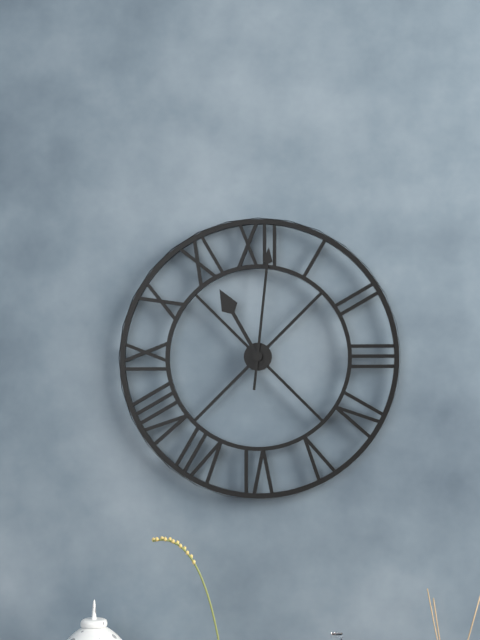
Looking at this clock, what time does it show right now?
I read 11:01
